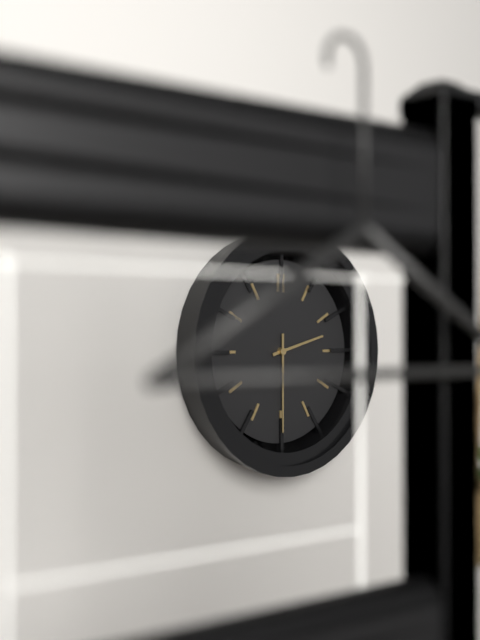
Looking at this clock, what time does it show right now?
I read 2:30
